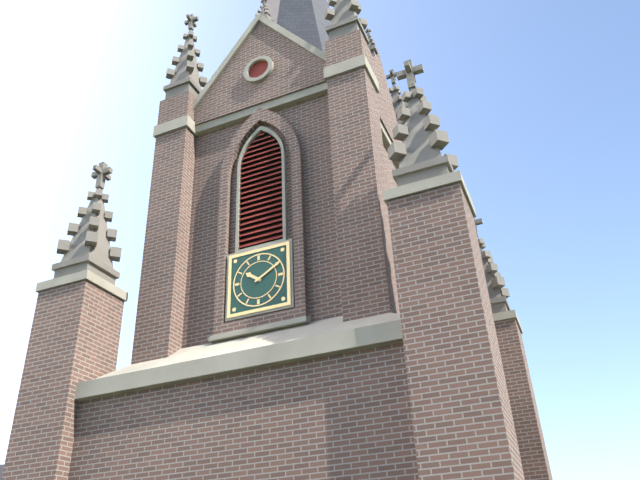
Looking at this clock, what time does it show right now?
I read 10:10
